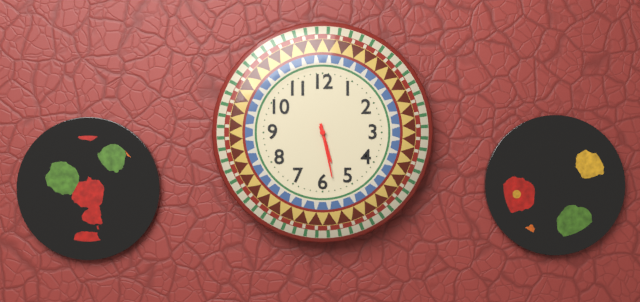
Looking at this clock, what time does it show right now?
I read 5:28
